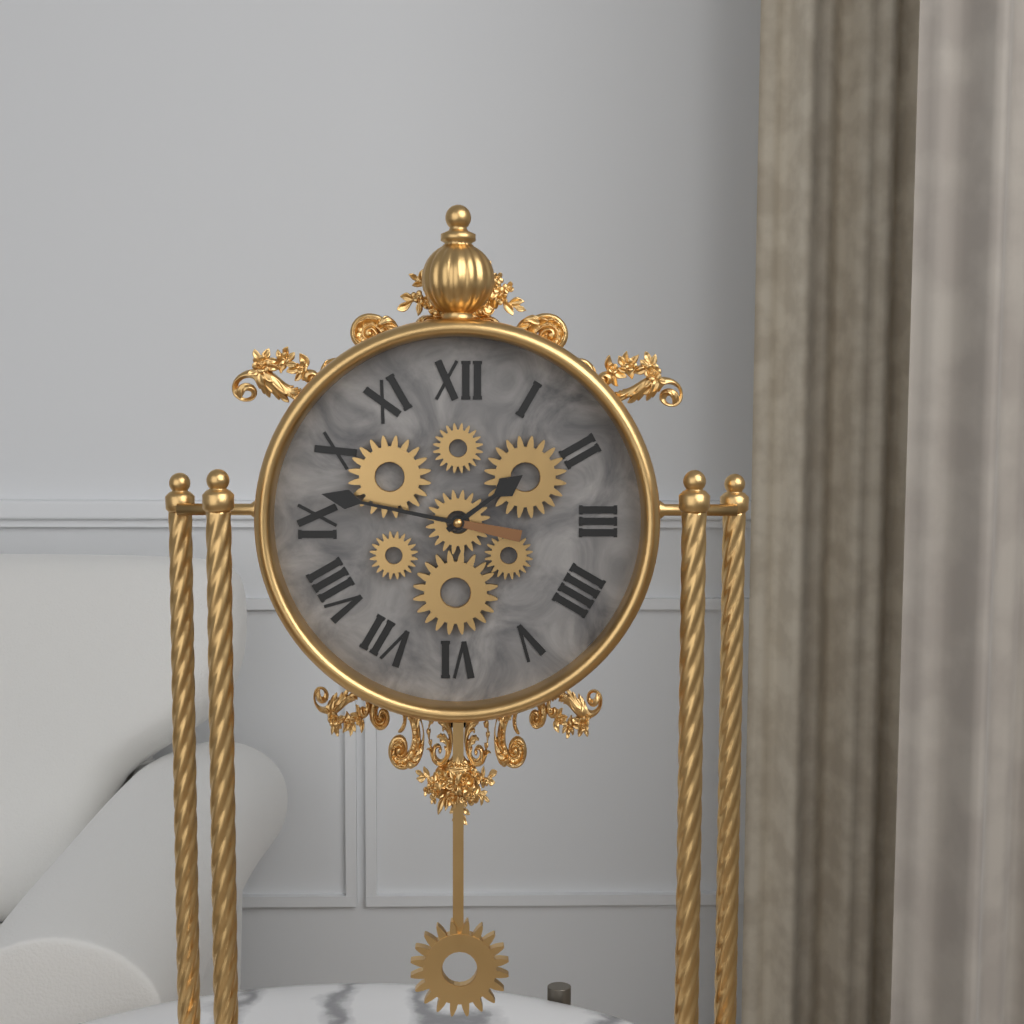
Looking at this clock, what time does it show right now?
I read 1:47
